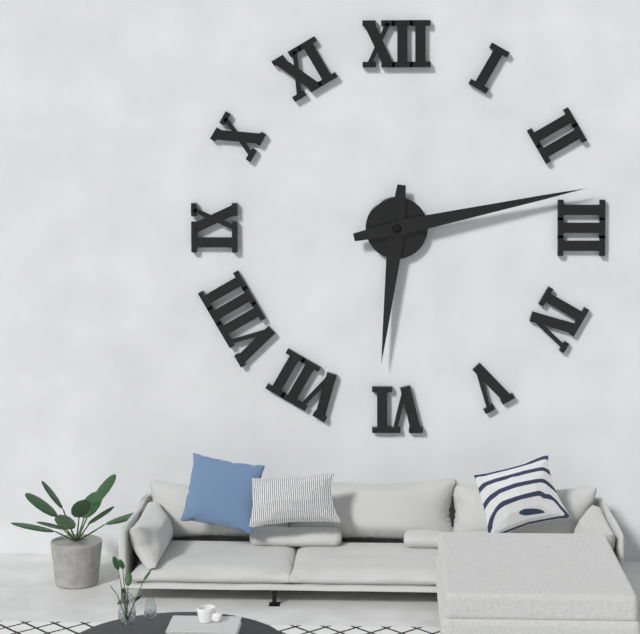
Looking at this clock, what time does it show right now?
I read 6:13
